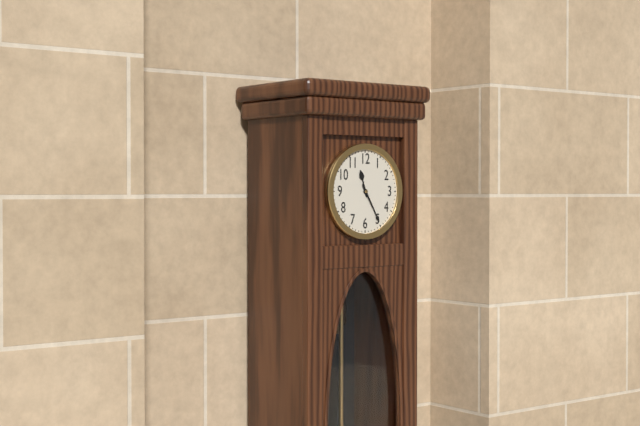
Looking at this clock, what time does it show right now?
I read 11:25
